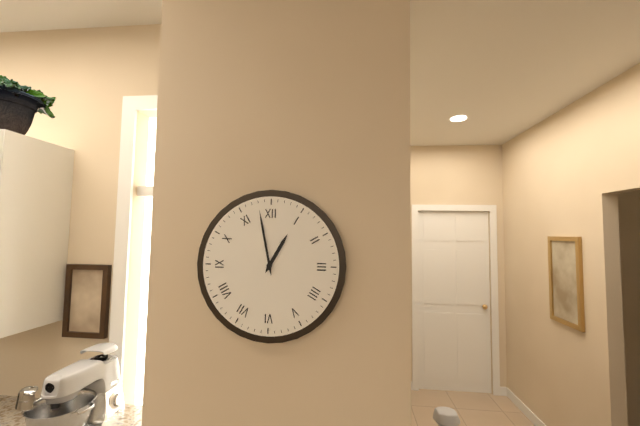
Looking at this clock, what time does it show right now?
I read 12:58
